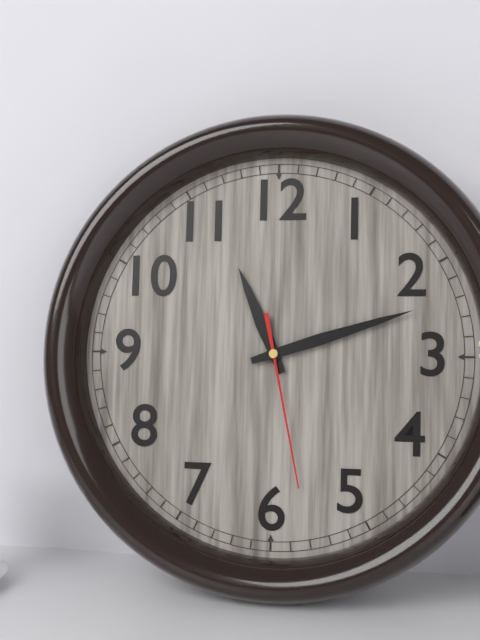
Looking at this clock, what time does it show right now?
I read 11:12:28
